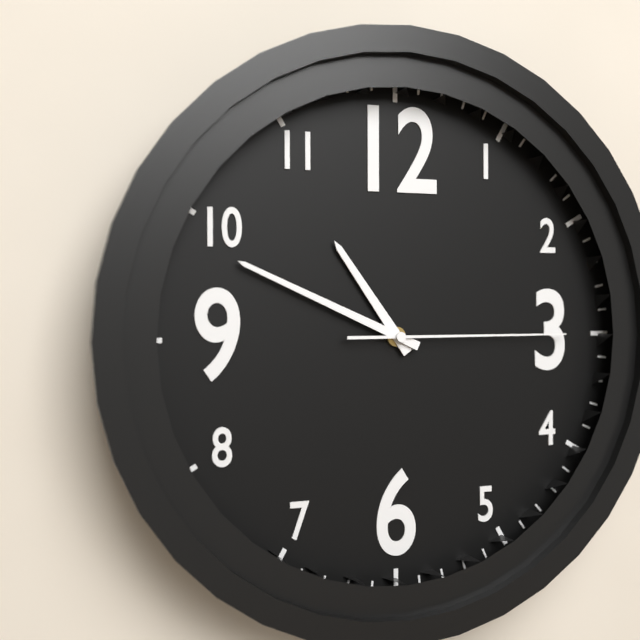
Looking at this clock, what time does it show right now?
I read 10:49:15
